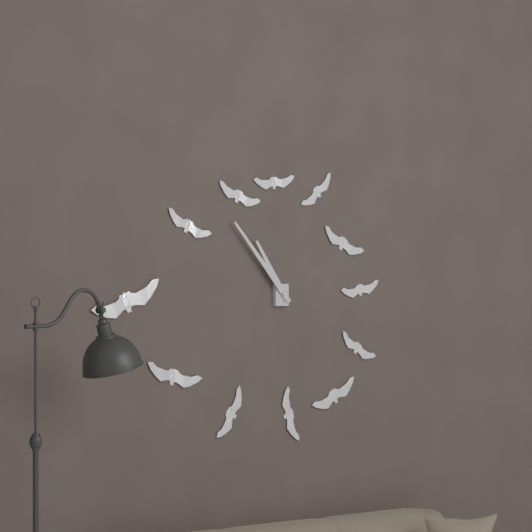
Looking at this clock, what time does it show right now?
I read 10:53
